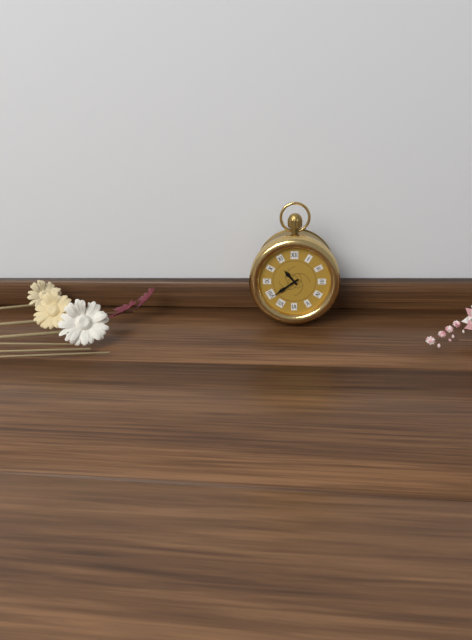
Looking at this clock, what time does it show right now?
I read 10:39
